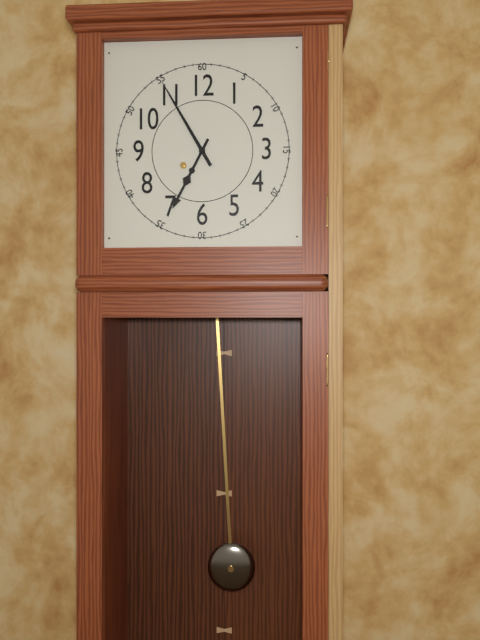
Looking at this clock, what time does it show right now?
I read 6:55
